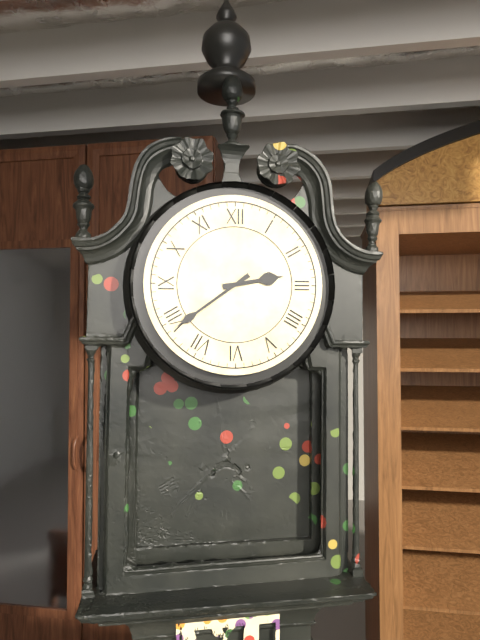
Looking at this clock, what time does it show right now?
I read 2:39
